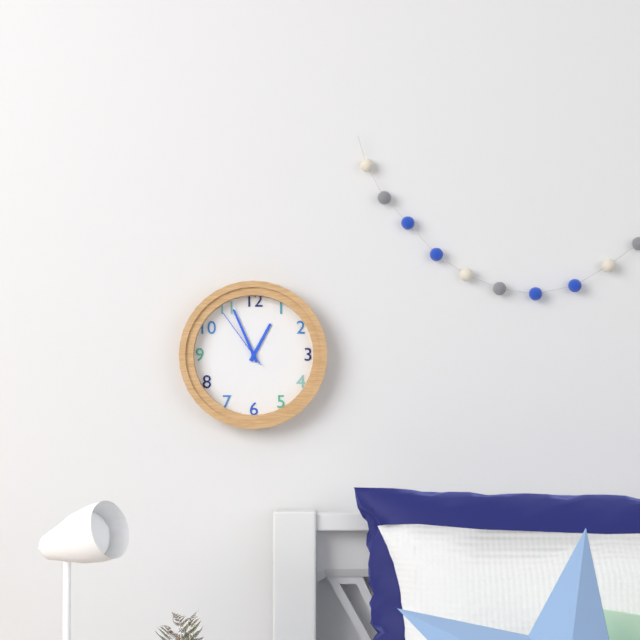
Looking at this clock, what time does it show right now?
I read 12:56:54
